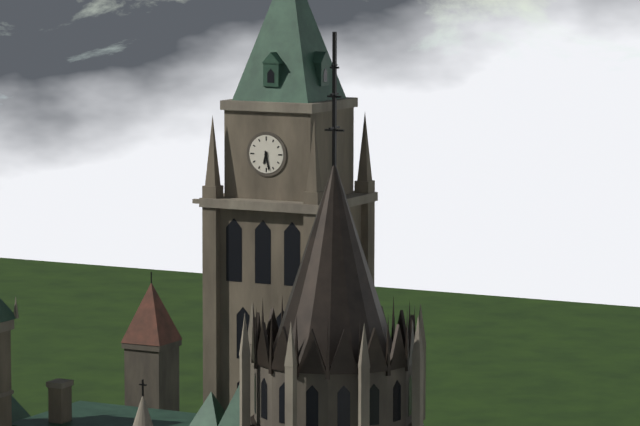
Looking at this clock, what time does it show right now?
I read 6:28
